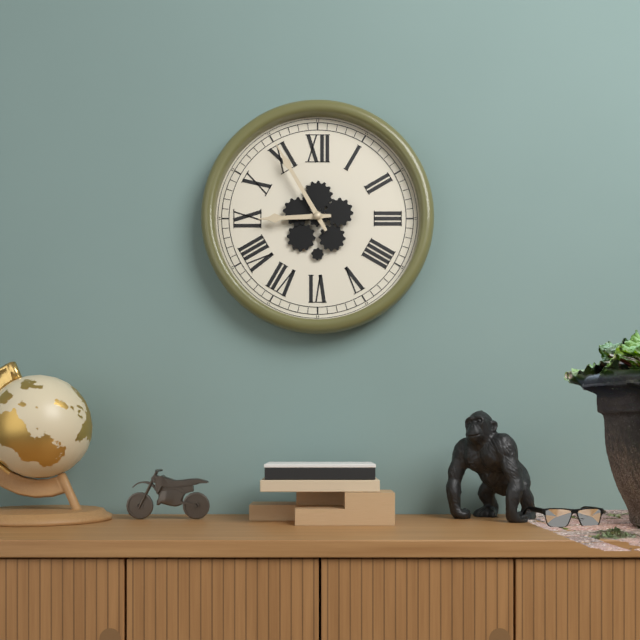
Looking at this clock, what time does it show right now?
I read 8:55
